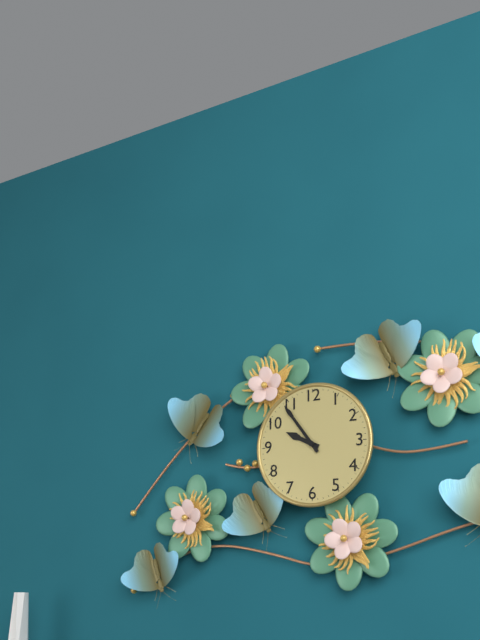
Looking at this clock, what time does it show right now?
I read 9:54
